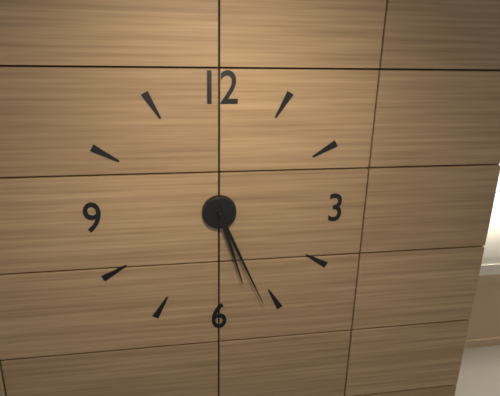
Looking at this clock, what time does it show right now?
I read 5:26
